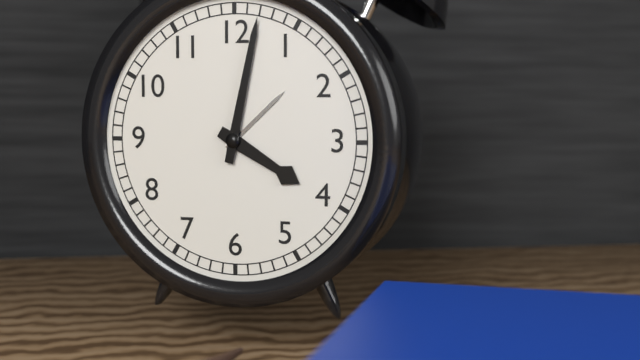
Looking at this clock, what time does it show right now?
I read 4:02
